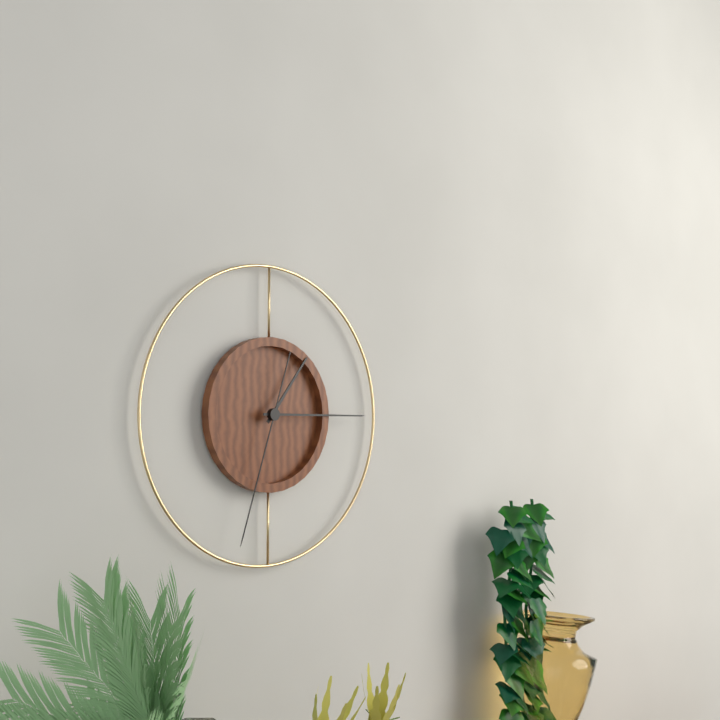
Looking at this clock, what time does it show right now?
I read 1:15:33
